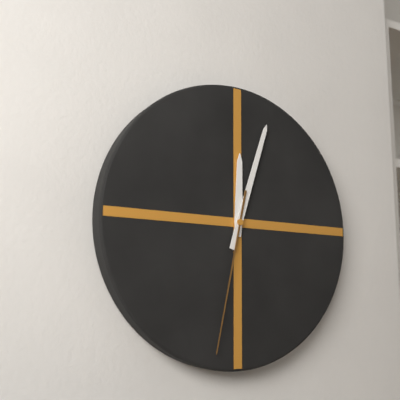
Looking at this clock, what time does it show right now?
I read 12:03:32
